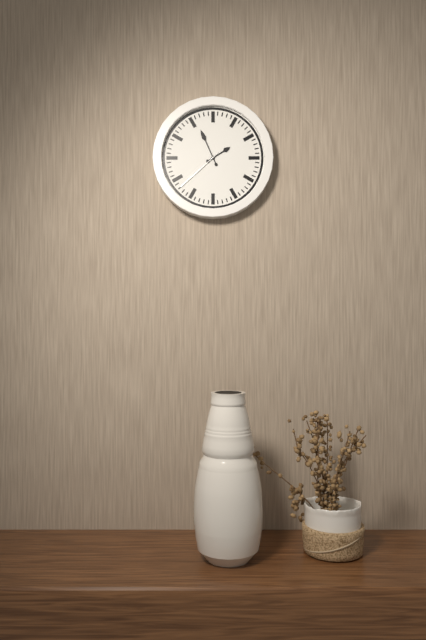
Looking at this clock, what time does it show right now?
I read 1:56:38
